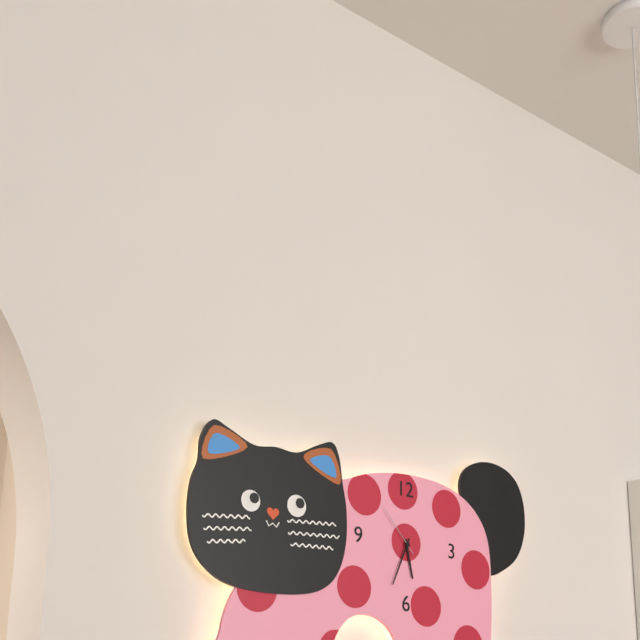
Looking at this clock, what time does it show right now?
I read 5:34:53
